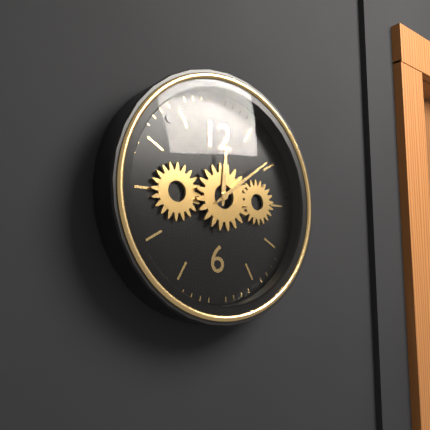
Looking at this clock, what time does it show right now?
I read 12:09
